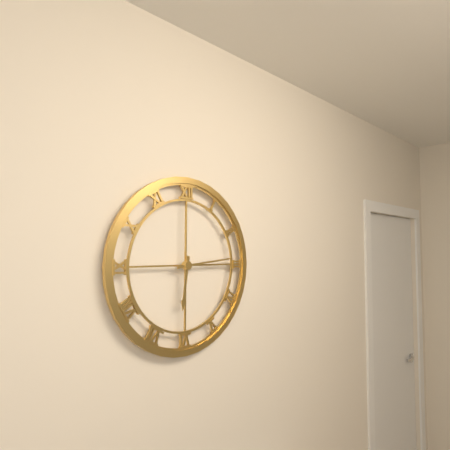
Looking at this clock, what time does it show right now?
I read 6:14
